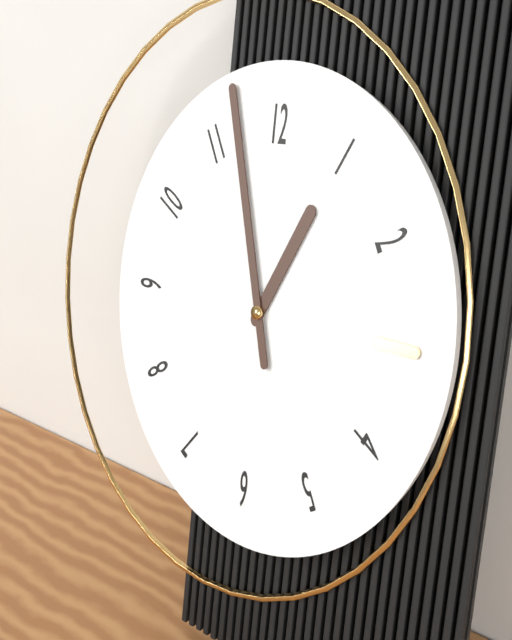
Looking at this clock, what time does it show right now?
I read 12:57
